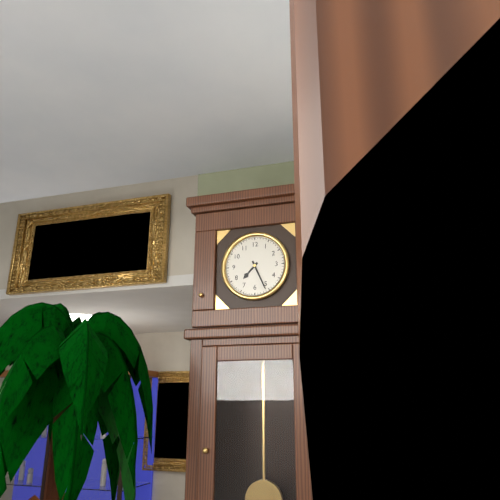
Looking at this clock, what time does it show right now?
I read 7:26
